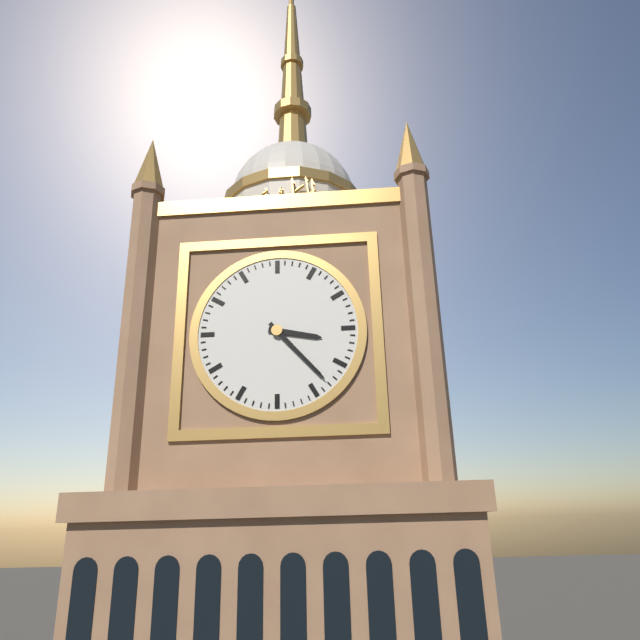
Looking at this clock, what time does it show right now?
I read 3:23
